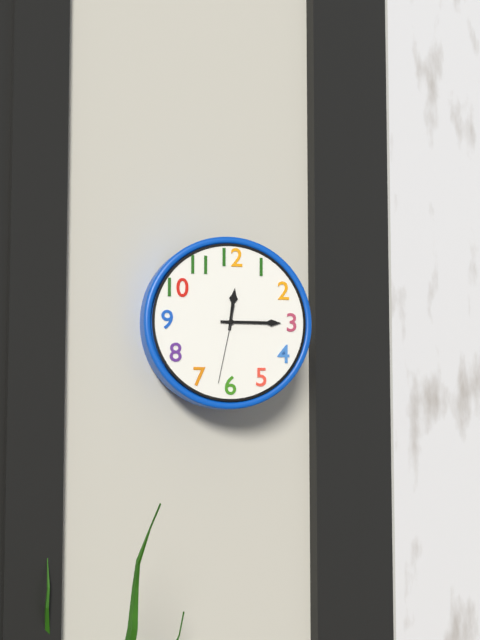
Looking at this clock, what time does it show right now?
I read 12:15:32
